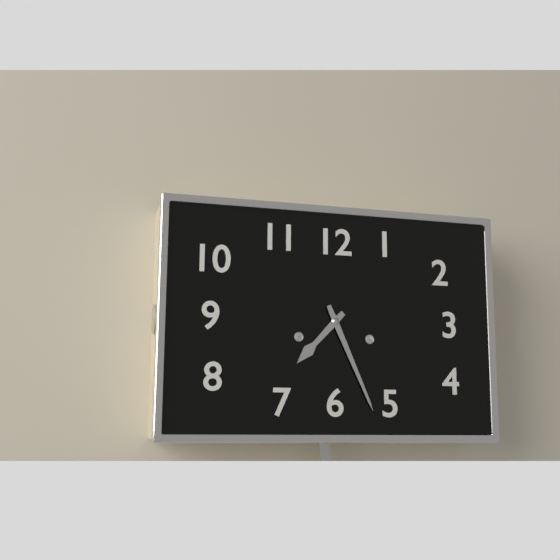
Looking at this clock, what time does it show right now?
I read 7:26
